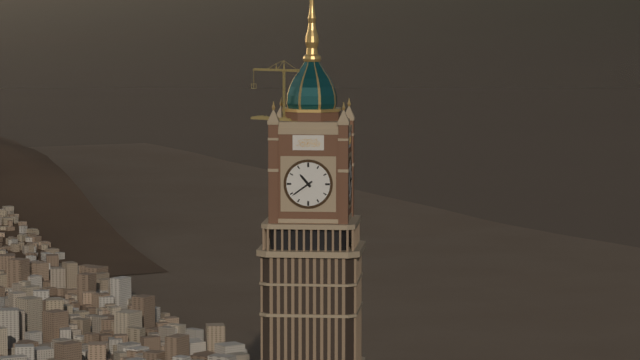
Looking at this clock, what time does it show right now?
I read 10:39
